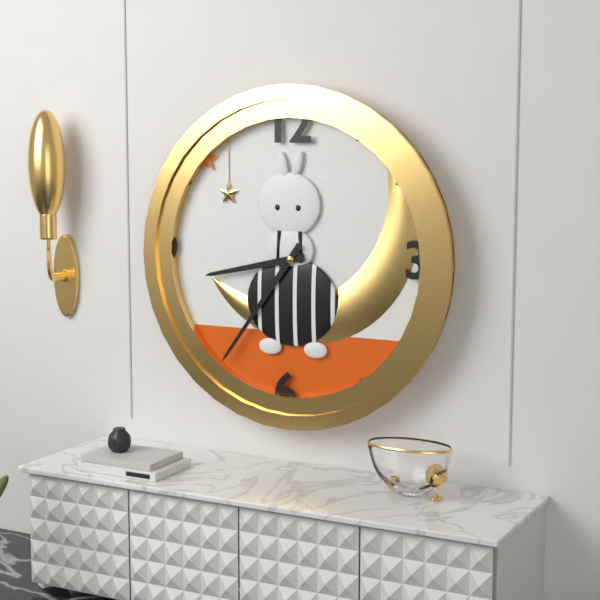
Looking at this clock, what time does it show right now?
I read 8:36
